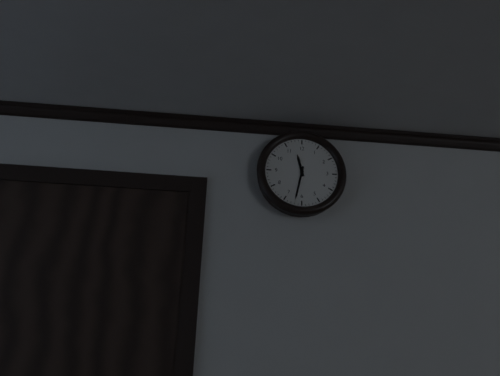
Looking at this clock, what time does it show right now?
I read 11:32
